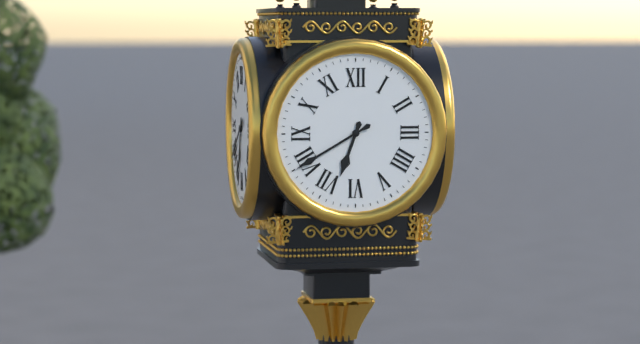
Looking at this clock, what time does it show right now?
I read 6:40
